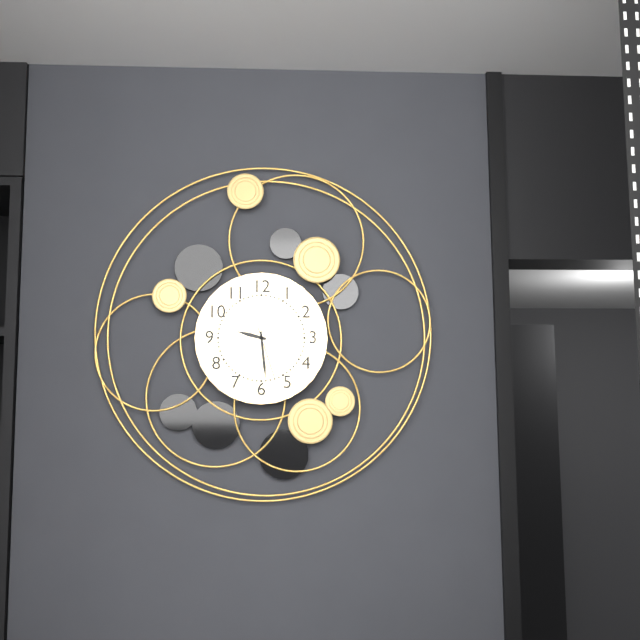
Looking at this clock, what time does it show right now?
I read 9:29:27
